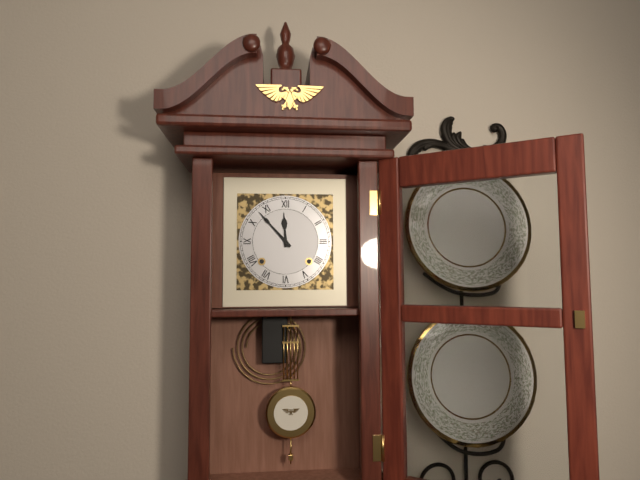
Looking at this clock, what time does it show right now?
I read 11:53
